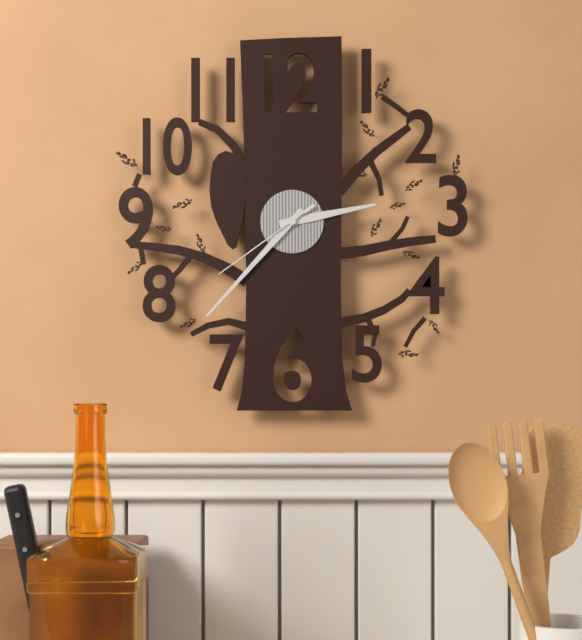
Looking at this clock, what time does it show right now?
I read 2:37:39
